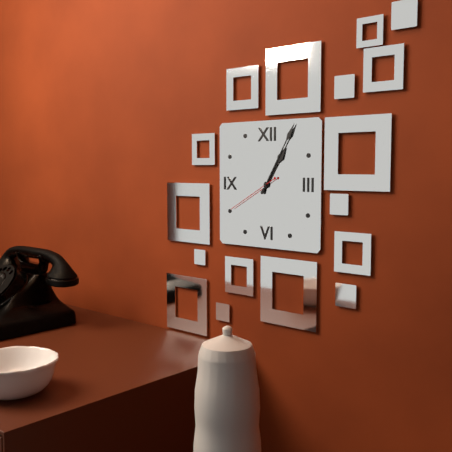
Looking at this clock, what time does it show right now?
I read 1:05:40
